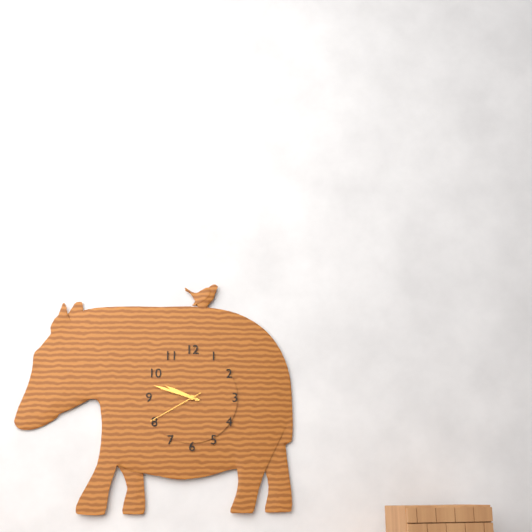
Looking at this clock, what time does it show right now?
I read 9:48:40
